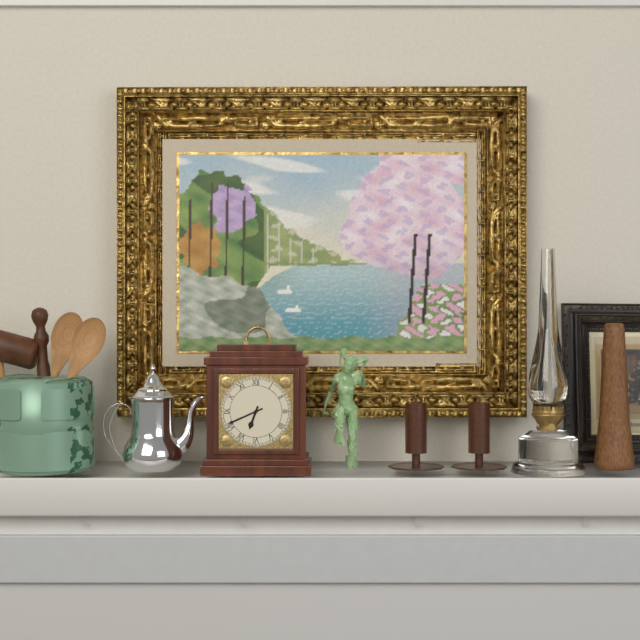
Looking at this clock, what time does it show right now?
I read 6:41
